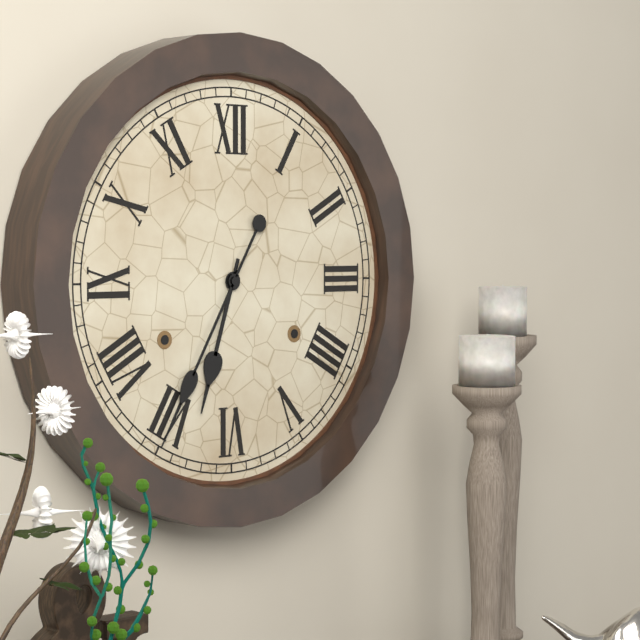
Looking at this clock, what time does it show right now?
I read 6:35
